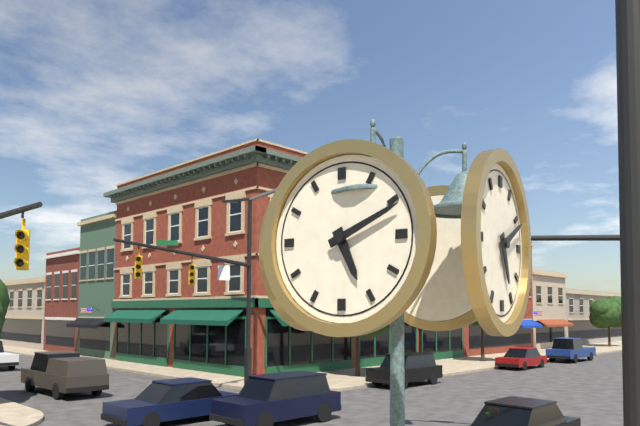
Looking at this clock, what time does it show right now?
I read 5:11
